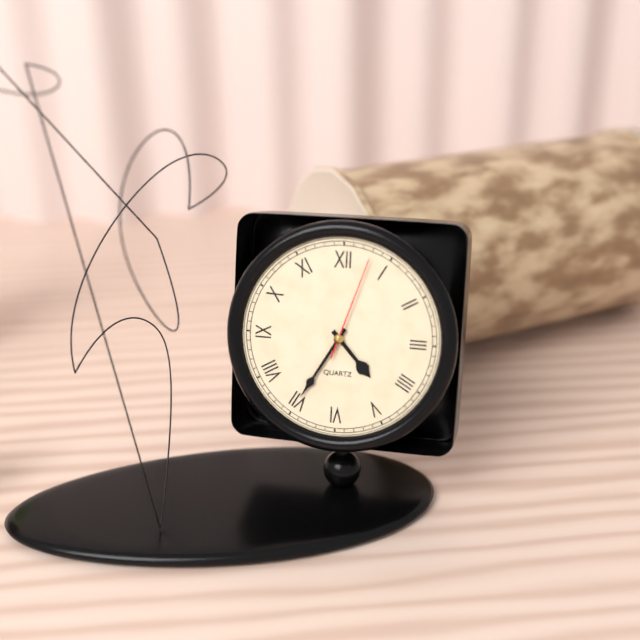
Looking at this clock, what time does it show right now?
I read 4:35:03
